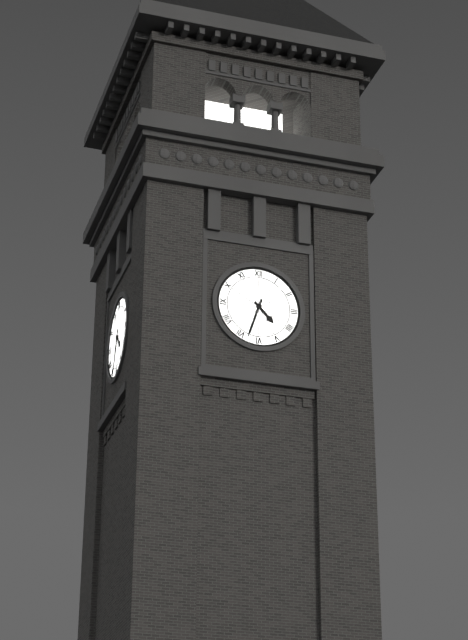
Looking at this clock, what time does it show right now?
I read 4:33
